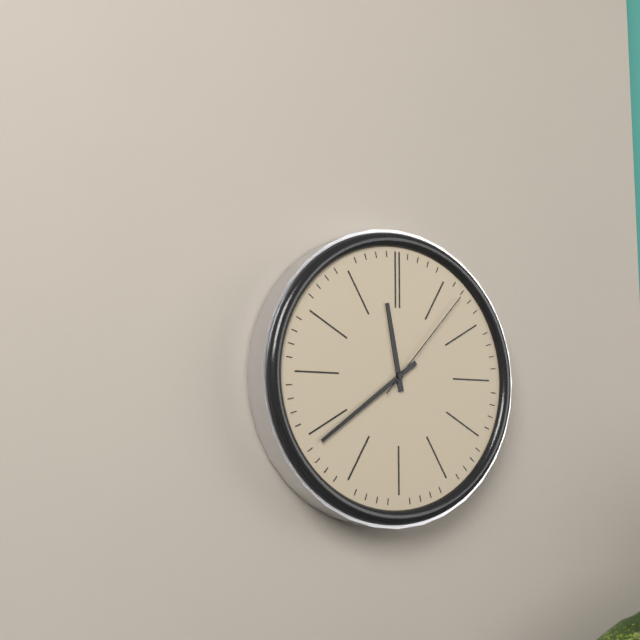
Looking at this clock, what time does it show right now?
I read 11:39:07
